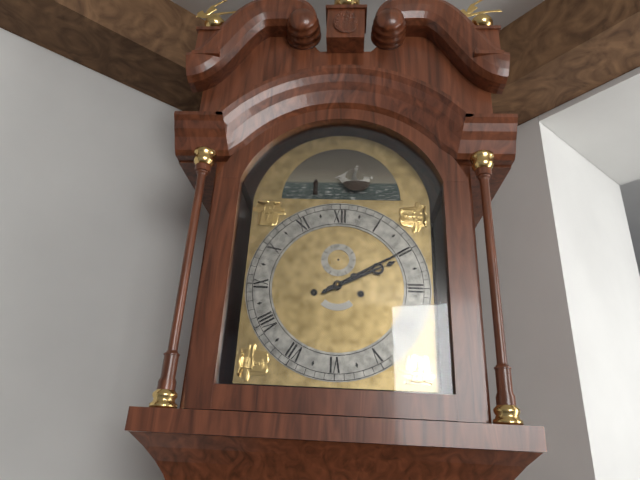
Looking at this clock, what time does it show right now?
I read 2:10
